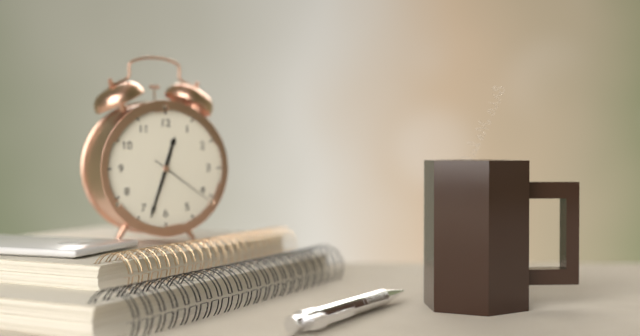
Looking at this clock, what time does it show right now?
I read 12:33:21
